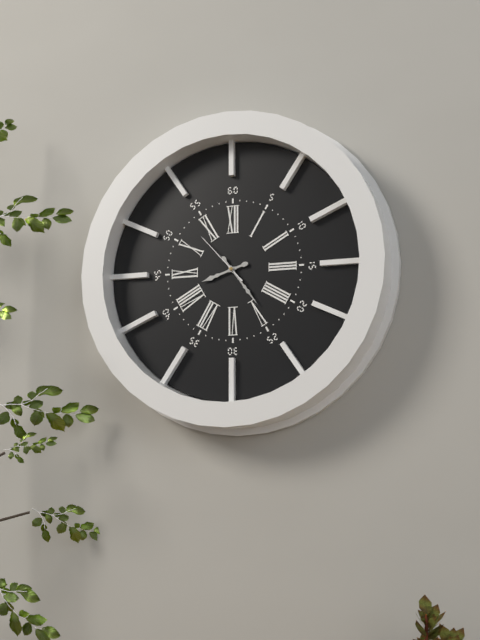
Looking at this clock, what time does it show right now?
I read 8:24:53
